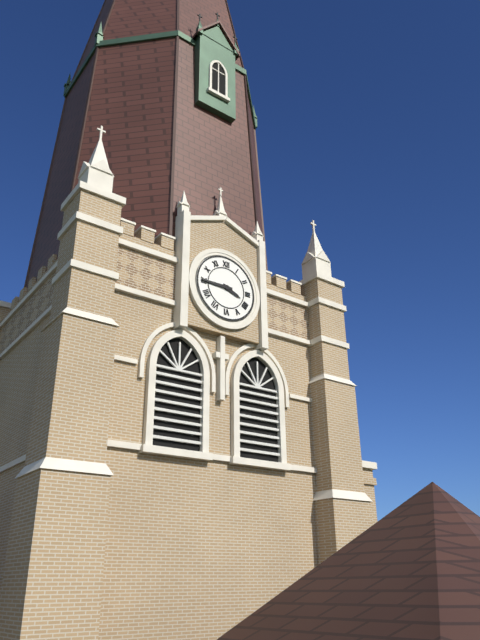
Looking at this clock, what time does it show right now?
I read 3:45
